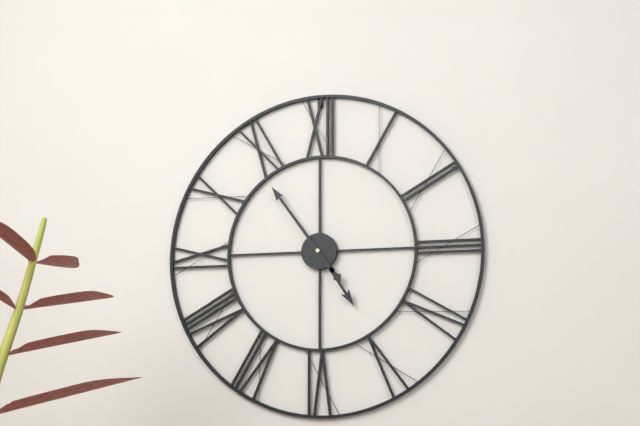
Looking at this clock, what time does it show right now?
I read 4:54
